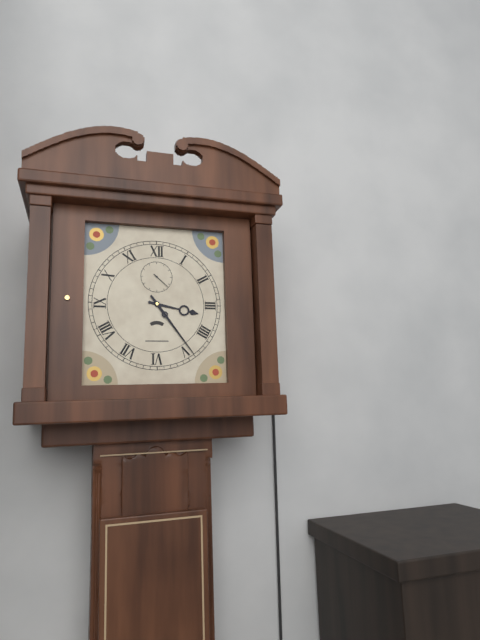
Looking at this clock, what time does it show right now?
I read 3:24
